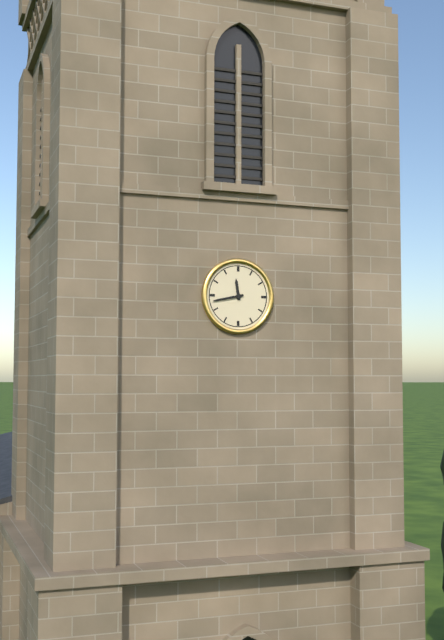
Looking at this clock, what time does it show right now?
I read 11:43
